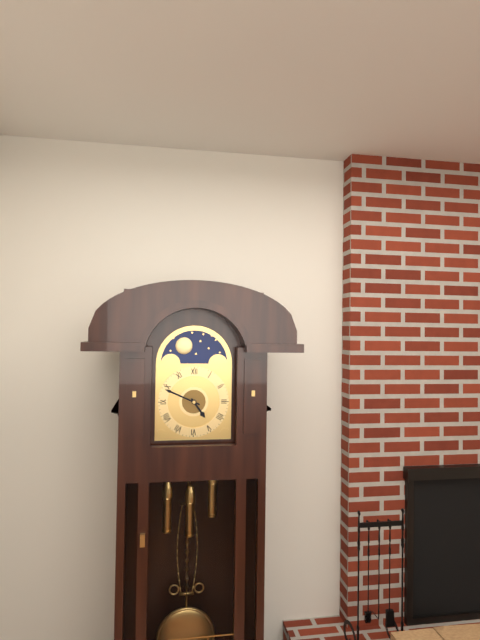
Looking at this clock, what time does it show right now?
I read 4:49
